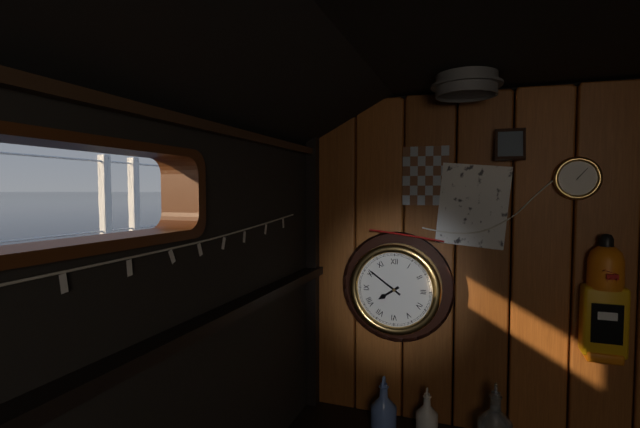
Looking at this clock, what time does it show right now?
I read 7:51
